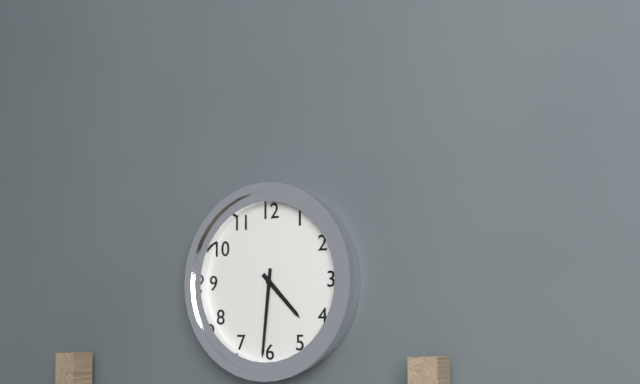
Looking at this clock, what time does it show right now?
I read 4:31
